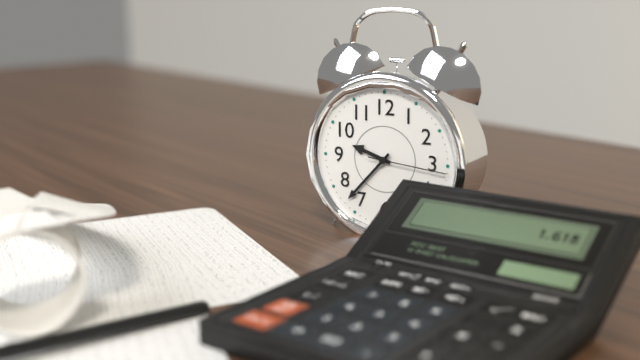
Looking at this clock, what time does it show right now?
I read 9:37:16
